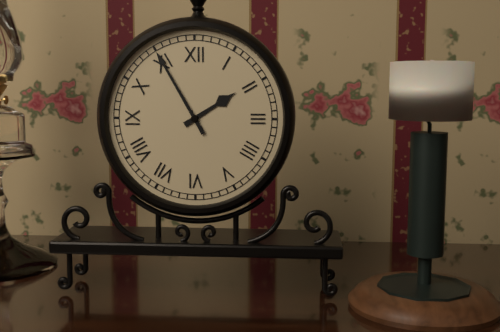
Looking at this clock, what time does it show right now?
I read 1:55
